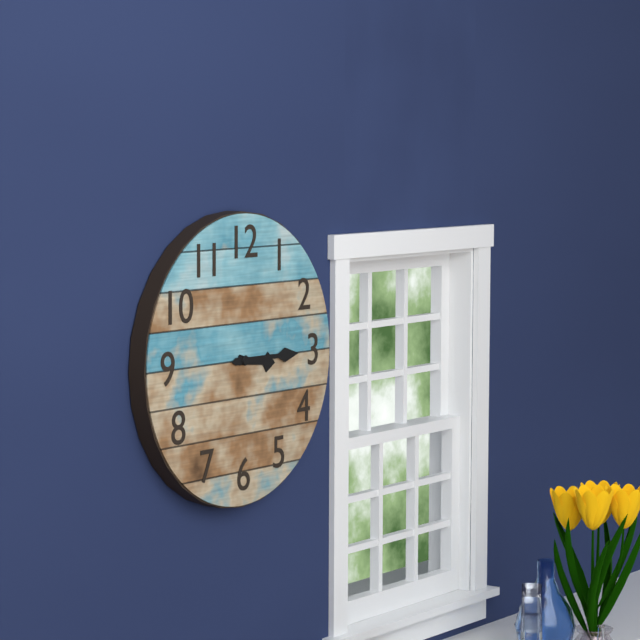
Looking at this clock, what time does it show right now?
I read 3:15
